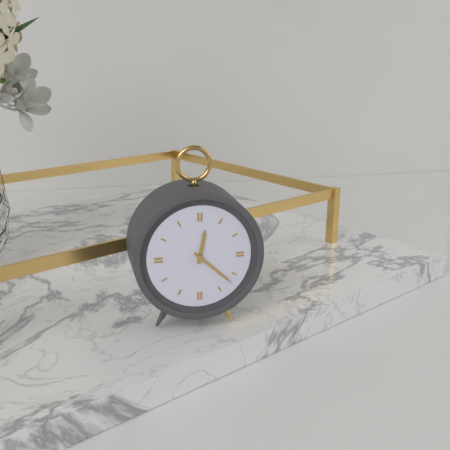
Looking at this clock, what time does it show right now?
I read 12:22
